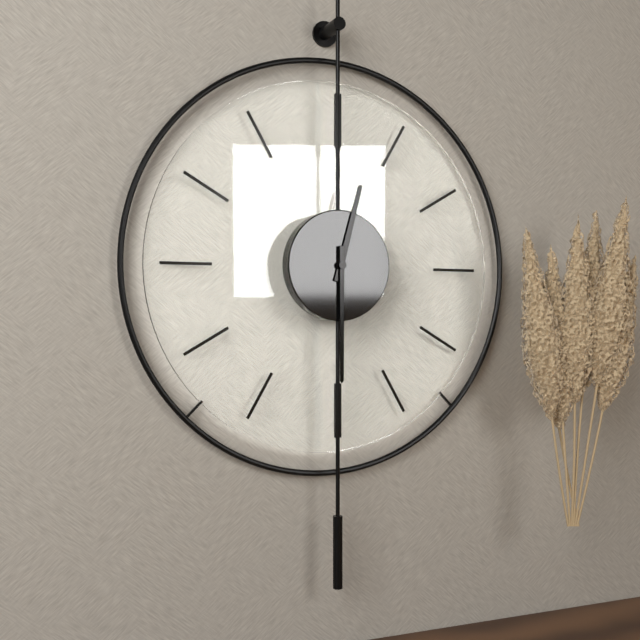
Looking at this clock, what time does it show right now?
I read 12:30
